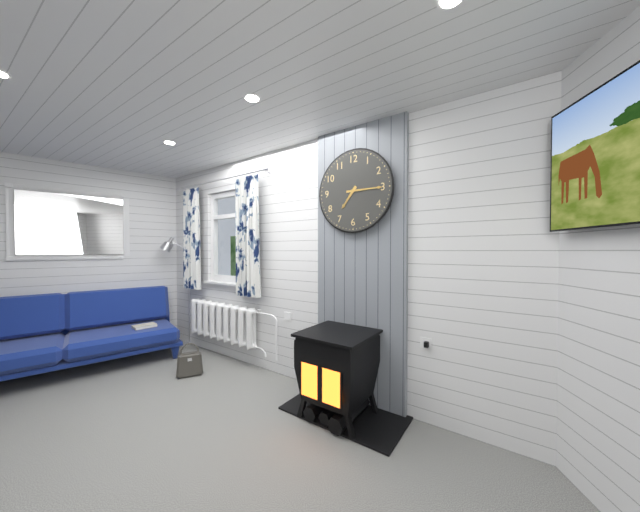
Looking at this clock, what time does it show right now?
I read 7:15
